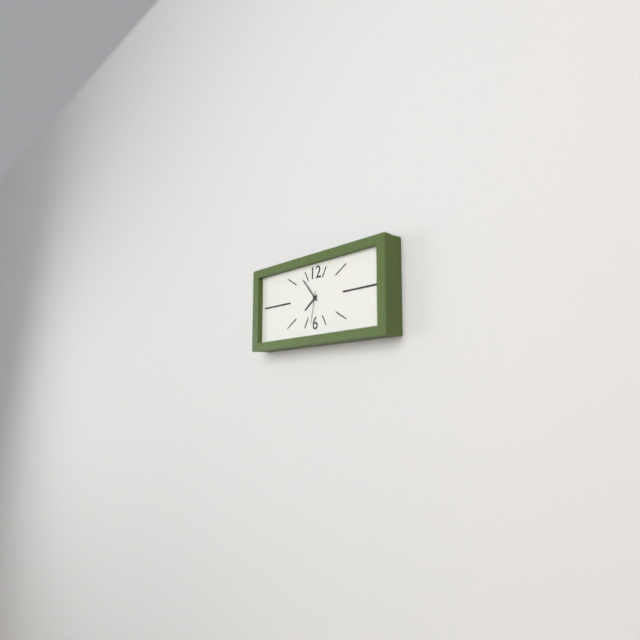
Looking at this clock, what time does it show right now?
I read 7:53
